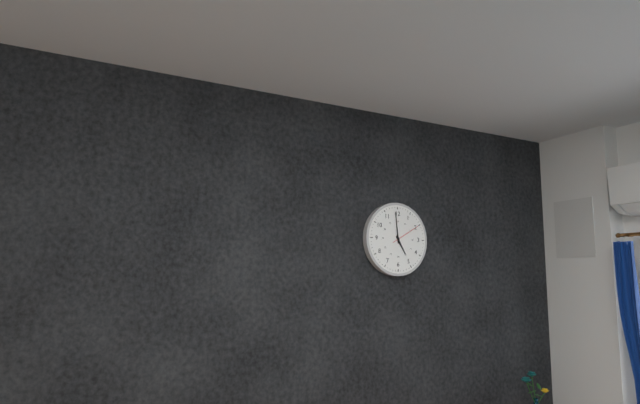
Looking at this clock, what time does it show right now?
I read 4:59
